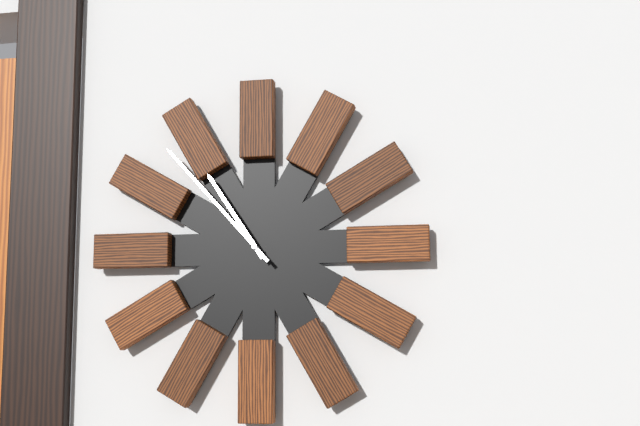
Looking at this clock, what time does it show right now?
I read 10:53
